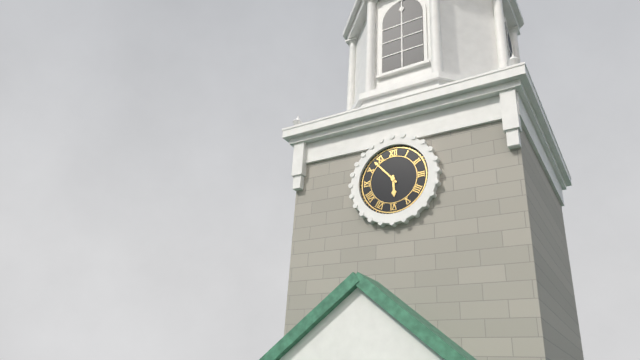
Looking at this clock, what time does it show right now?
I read 5:53
